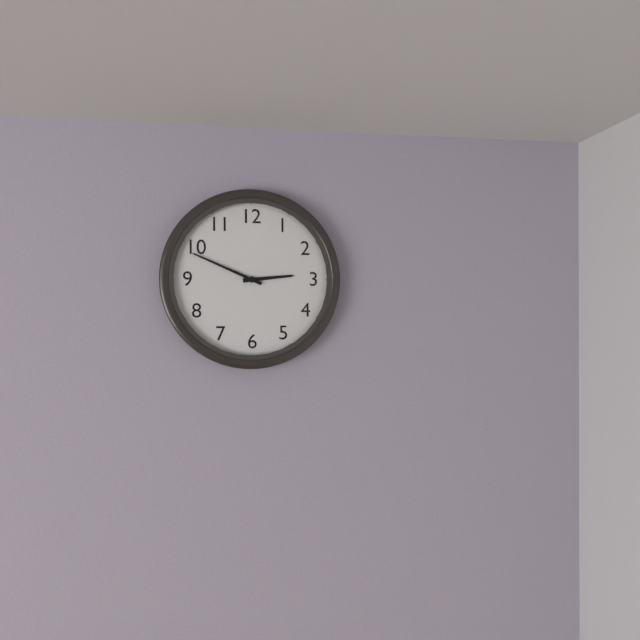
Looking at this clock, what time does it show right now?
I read 2:49
